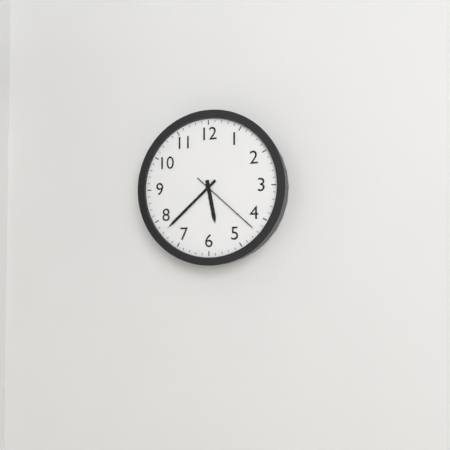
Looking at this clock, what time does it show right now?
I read 5:38:22
